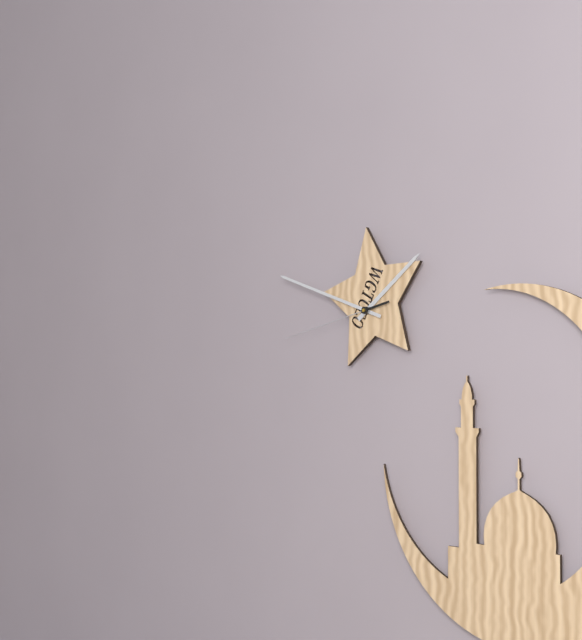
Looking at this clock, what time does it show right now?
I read 1:48:43
